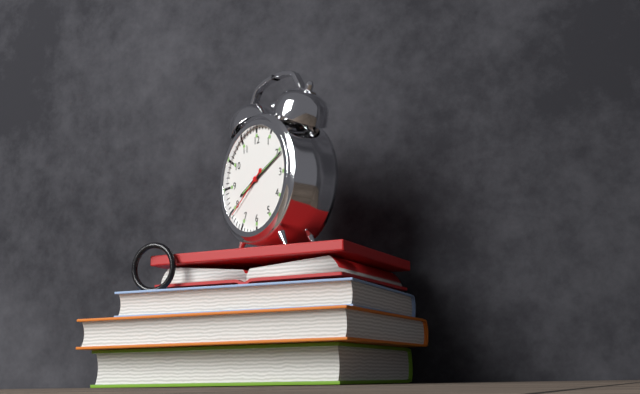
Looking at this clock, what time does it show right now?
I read 8:11:39
